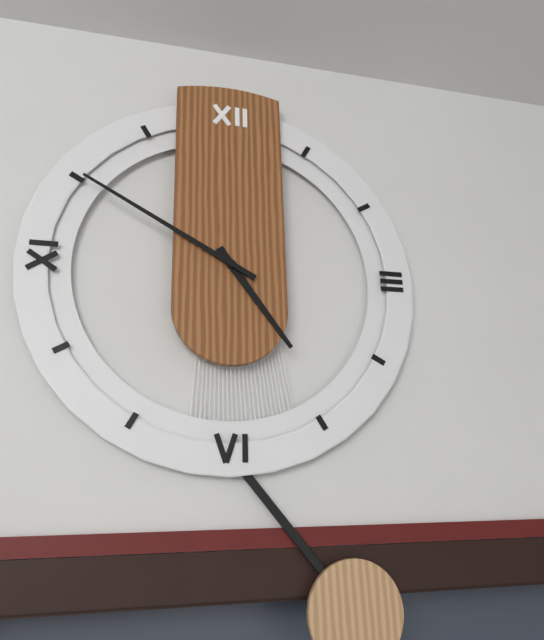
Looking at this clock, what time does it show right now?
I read 4:50
